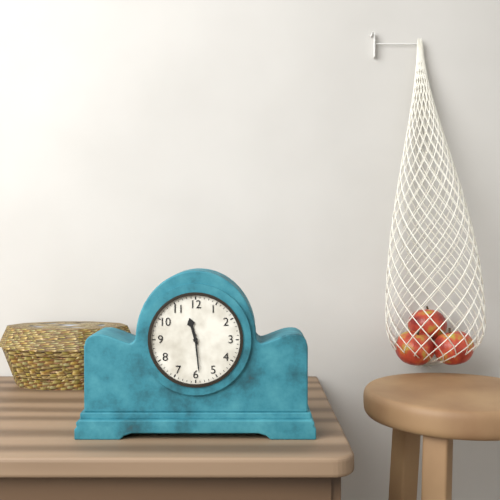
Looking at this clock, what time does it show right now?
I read 11:29
